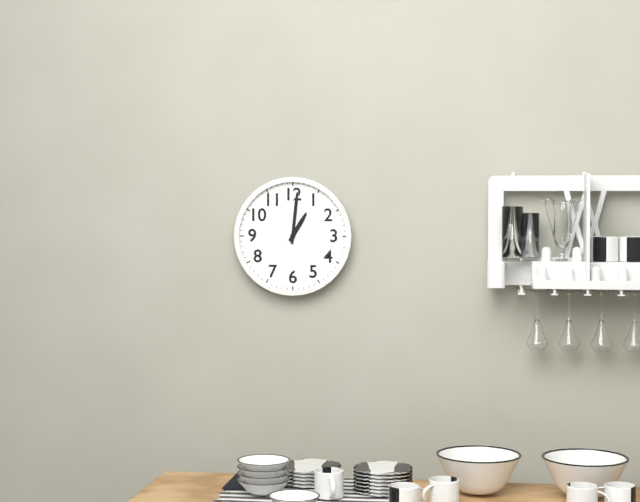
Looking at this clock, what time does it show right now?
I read 1:01
